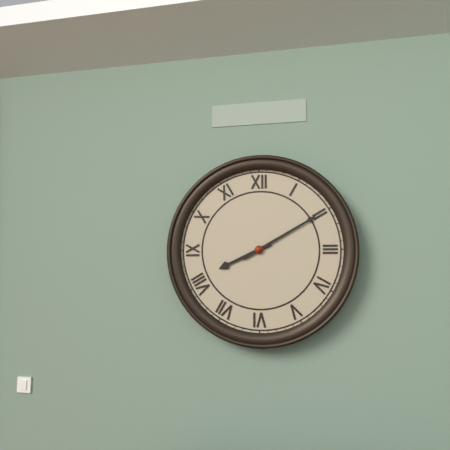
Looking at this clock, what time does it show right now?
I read 8:10
